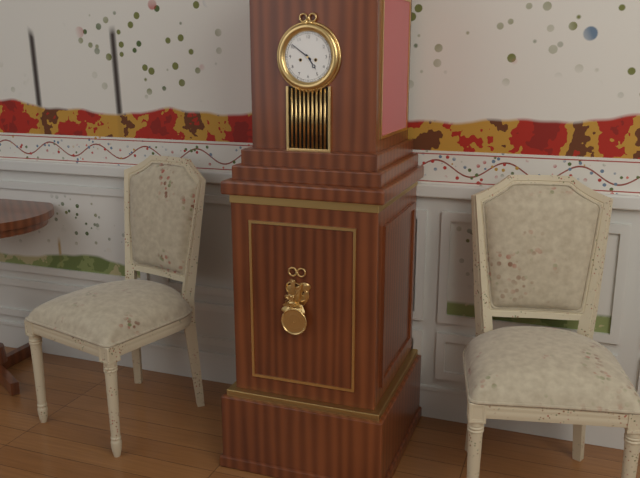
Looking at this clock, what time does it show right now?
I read 4:51
